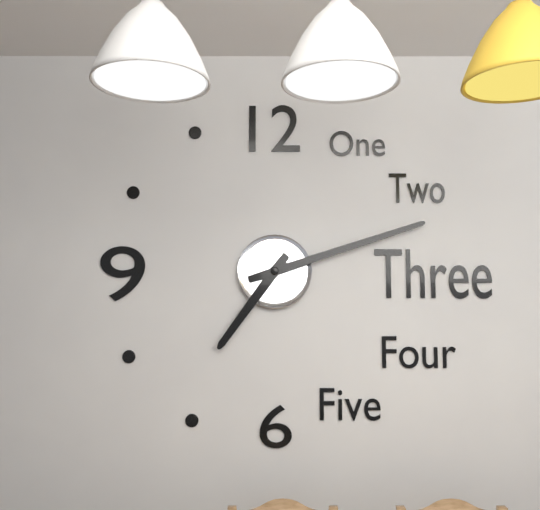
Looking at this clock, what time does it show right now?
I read 7:12
